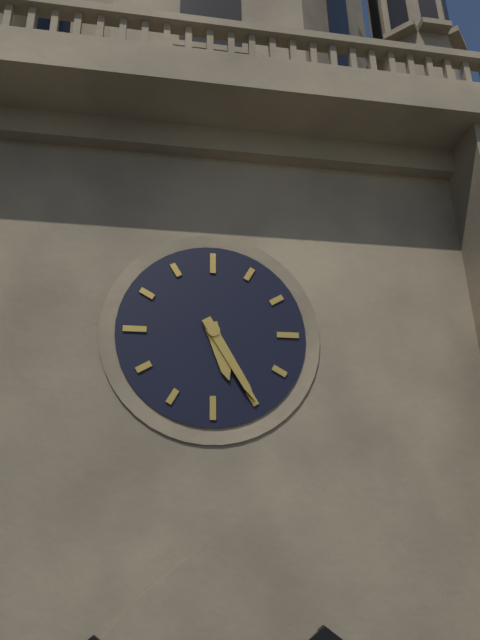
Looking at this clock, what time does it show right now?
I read 5:25
